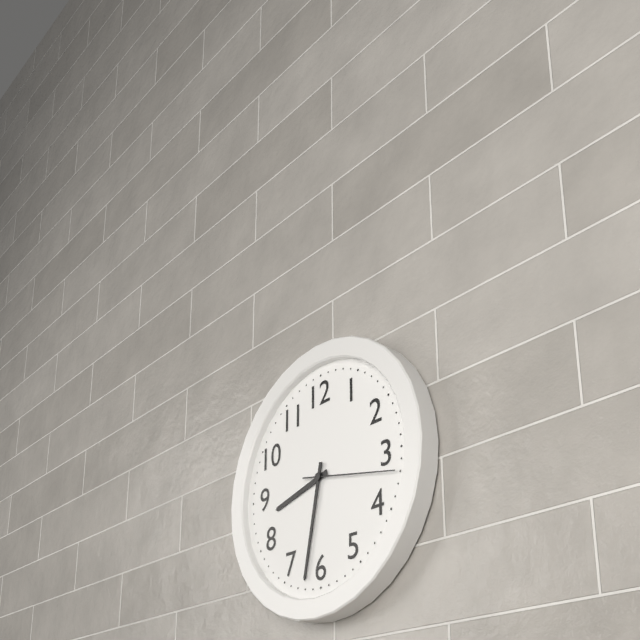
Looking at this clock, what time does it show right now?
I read 8:32:17
